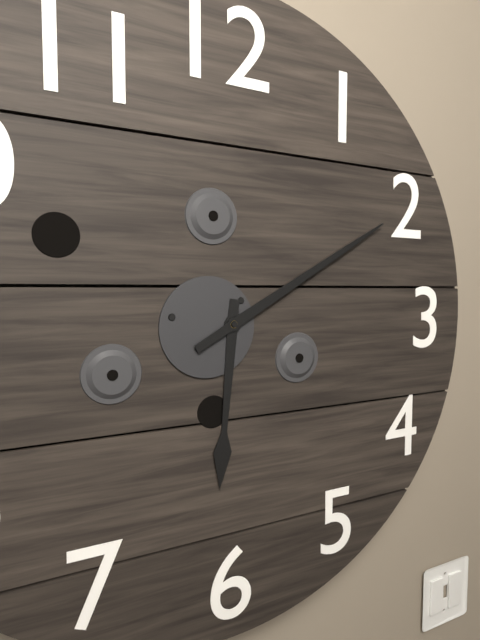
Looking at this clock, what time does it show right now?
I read 6:10
